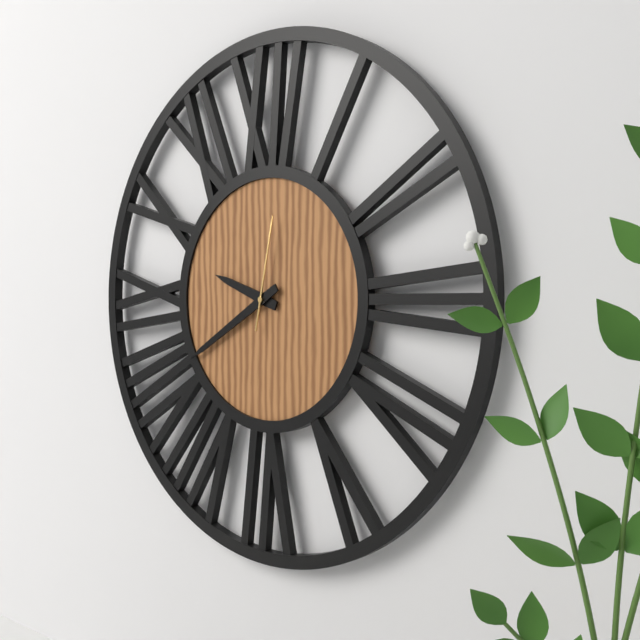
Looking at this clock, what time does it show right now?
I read 9:40:02
